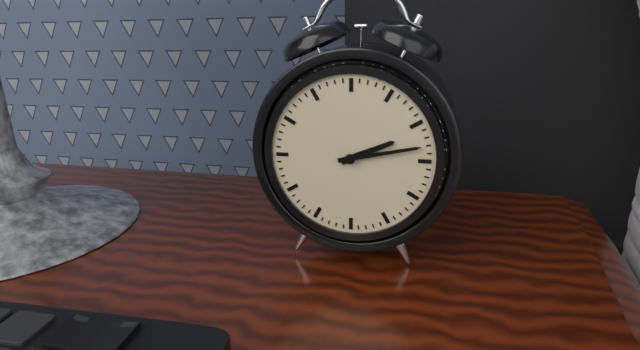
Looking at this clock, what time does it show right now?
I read 2:13
